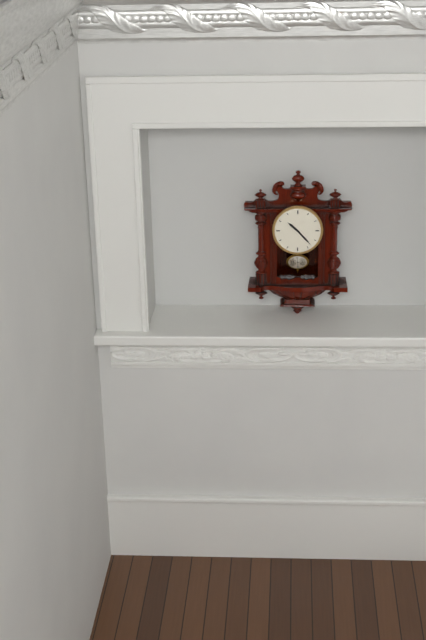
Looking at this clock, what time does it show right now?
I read 10:23
